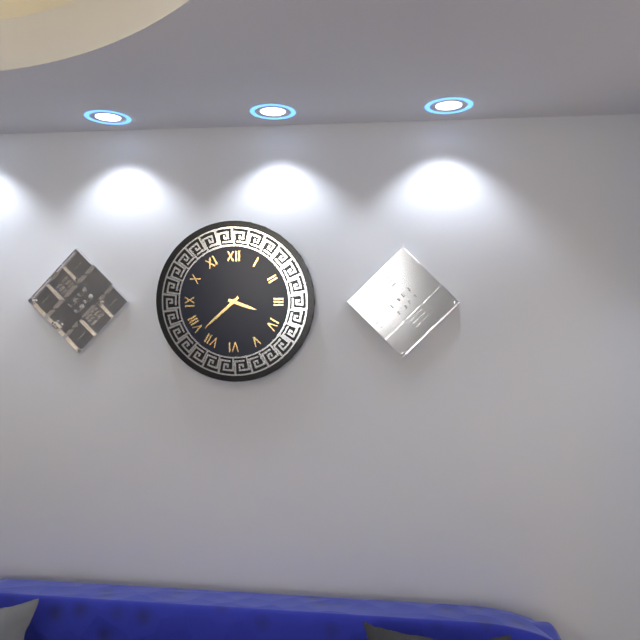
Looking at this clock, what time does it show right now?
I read 3:38
